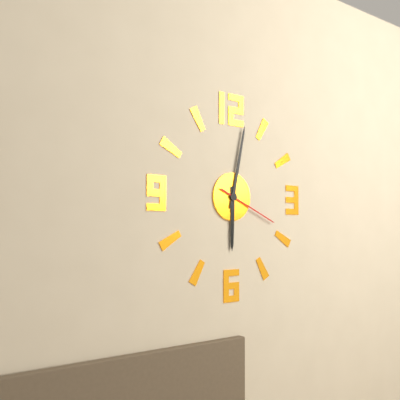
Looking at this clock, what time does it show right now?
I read 6:02:19
